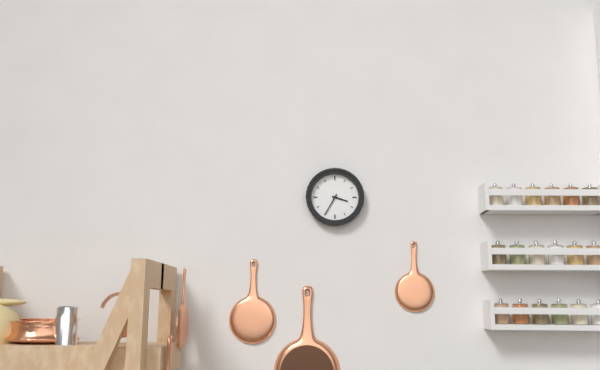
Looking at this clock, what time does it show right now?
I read 3:35
